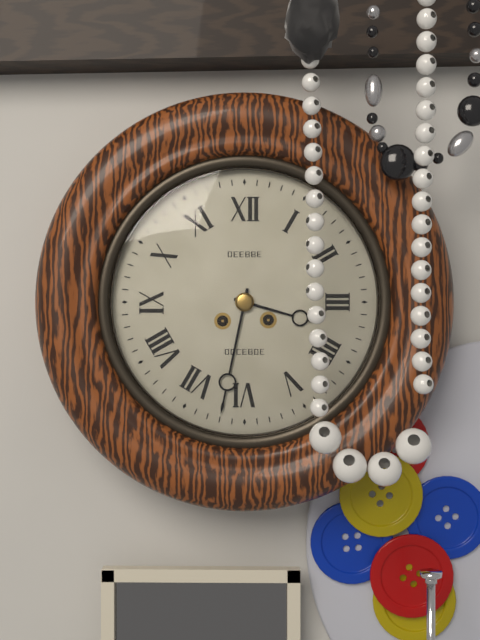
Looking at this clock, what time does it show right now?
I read 3:32
